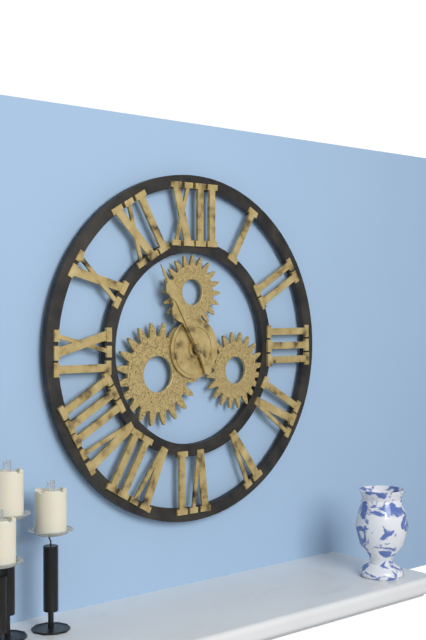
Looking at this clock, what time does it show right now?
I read 10:55
